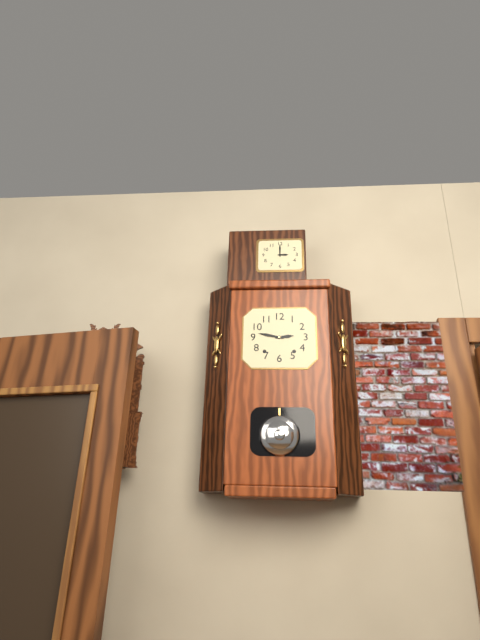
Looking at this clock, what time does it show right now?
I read 2:47
